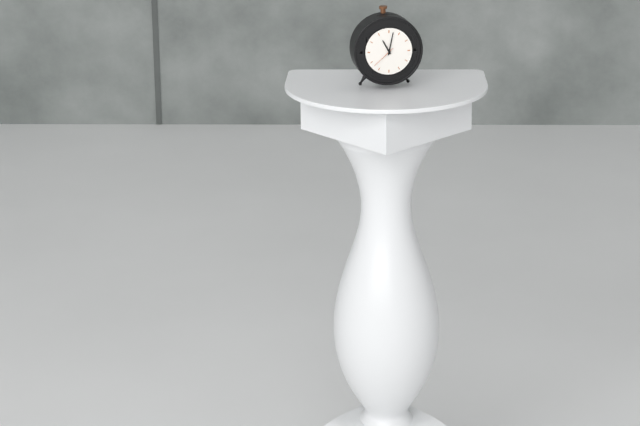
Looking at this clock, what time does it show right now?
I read 11:02
